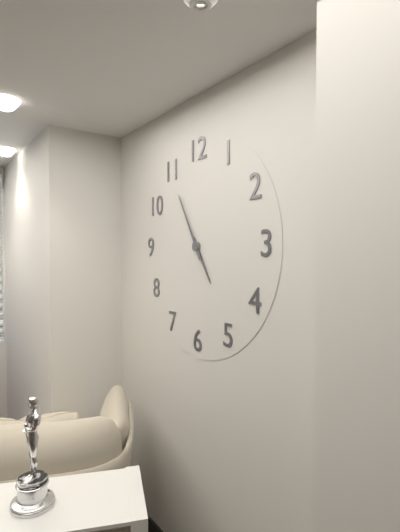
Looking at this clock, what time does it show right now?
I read 4:55
